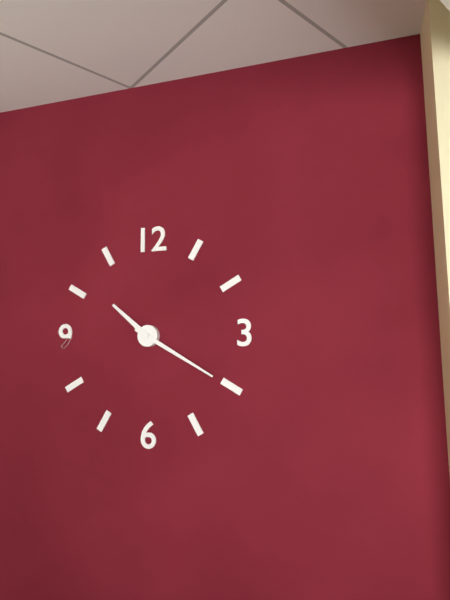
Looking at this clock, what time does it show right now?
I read 10:20
